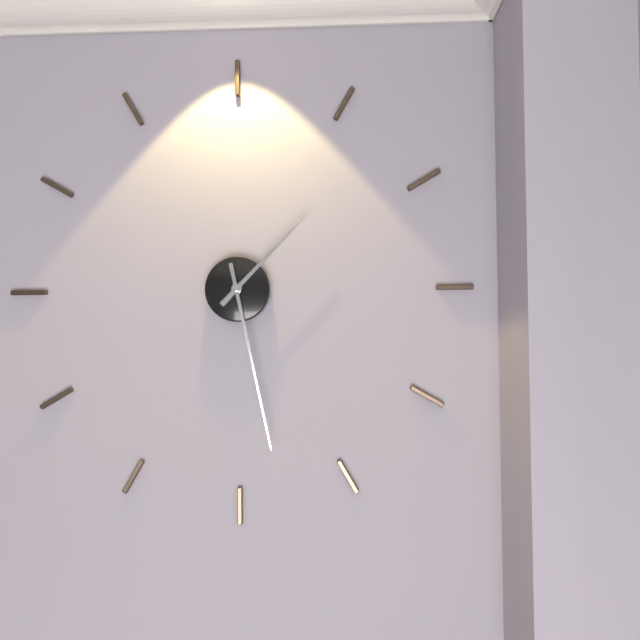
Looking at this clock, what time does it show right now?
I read 1:28
